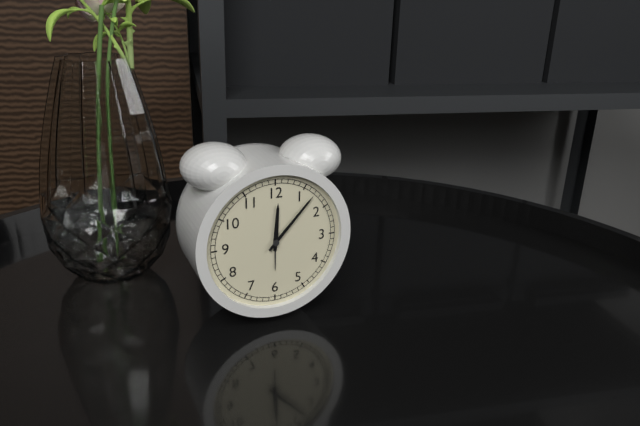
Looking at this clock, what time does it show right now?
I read 12:07
